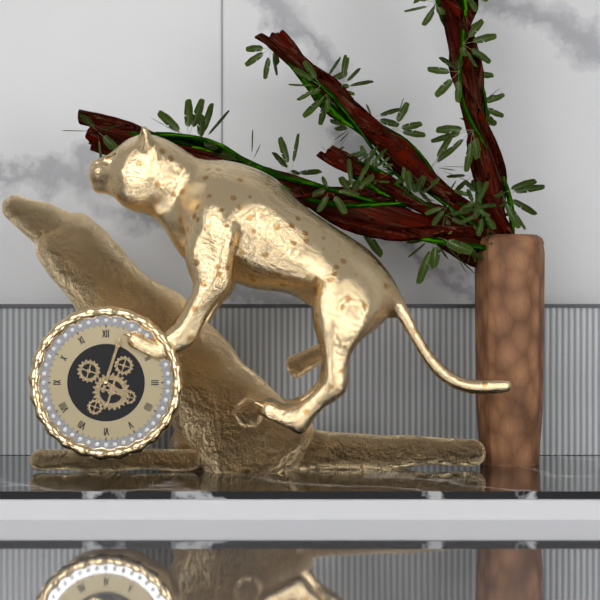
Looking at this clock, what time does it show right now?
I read 4:03
